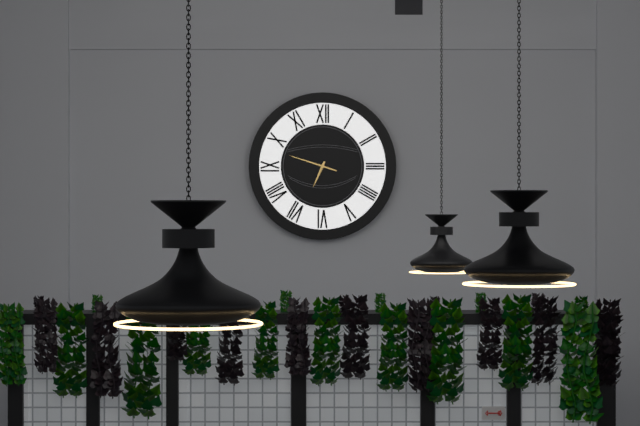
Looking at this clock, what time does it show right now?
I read 6:48
